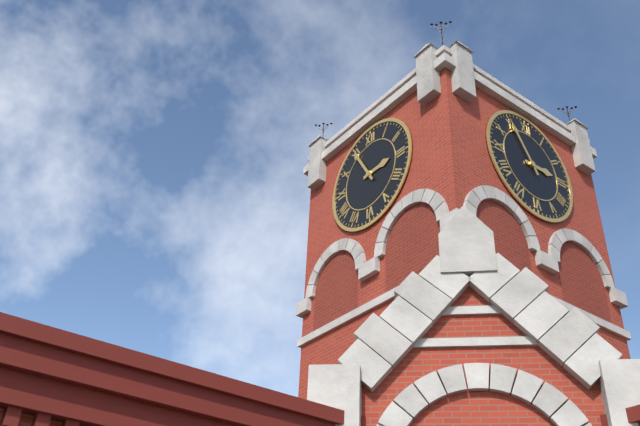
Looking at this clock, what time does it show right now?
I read 2:55
